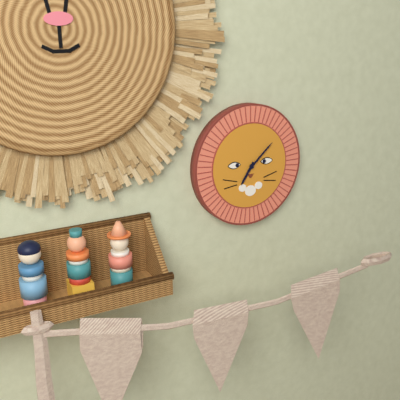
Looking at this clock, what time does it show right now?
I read 7:08
